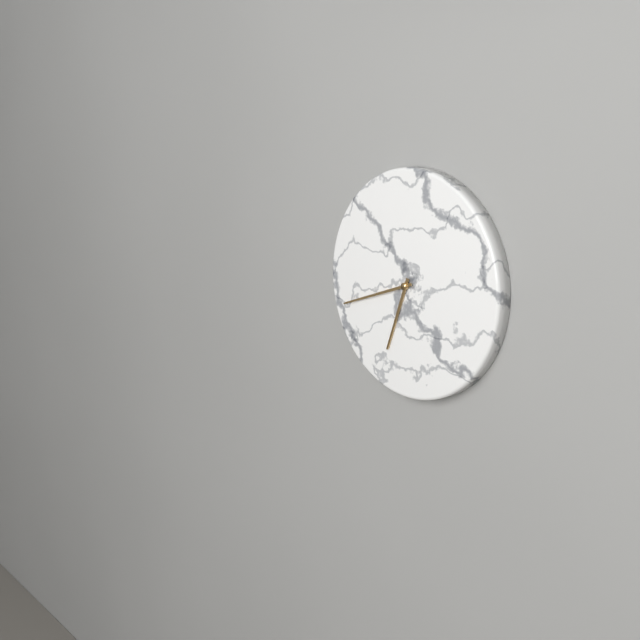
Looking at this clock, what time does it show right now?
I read 6:42
